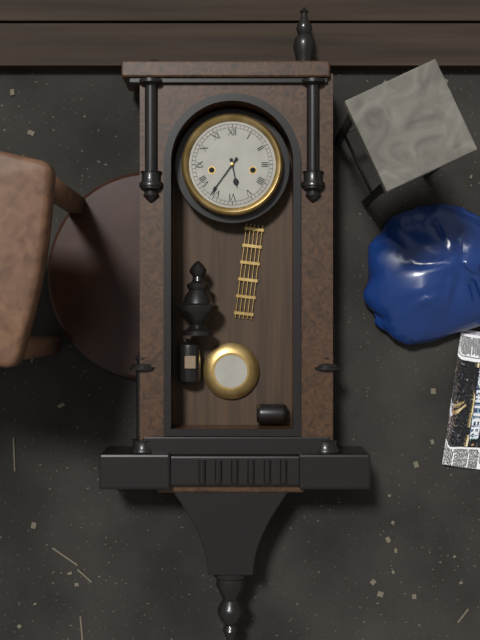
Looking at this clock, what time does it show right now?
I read 5:36
